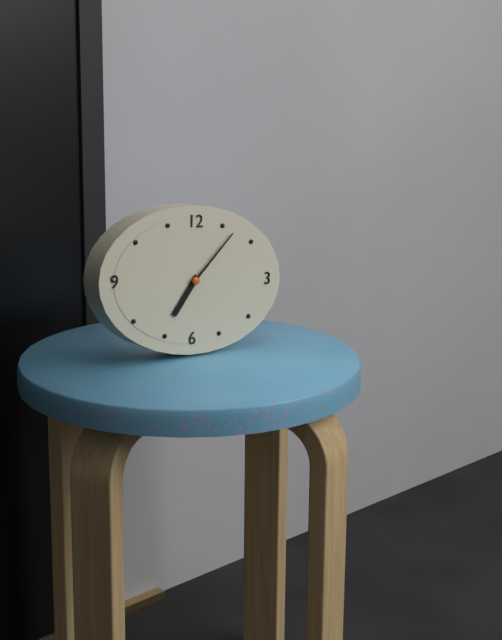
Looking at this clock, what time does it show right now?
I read 7:07
